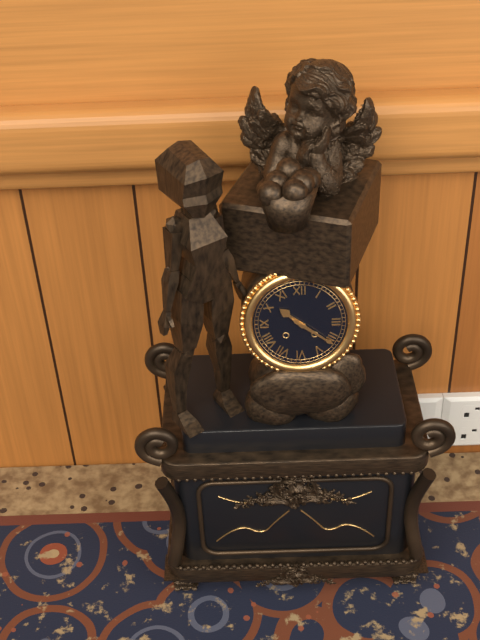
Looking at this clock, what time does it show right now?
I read 10:21
